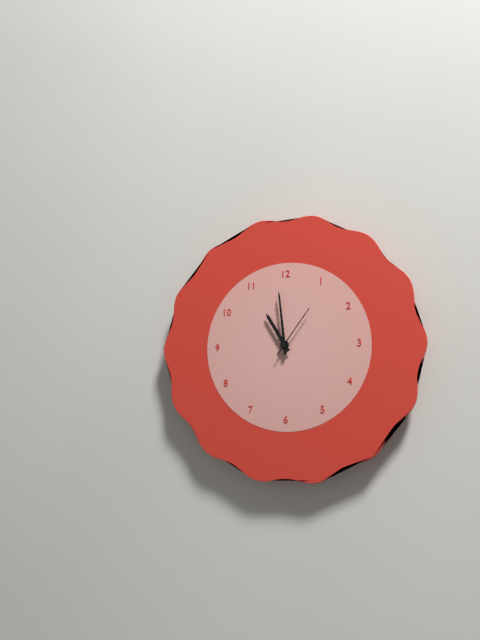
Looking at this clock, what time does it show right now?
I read 10:59:06
